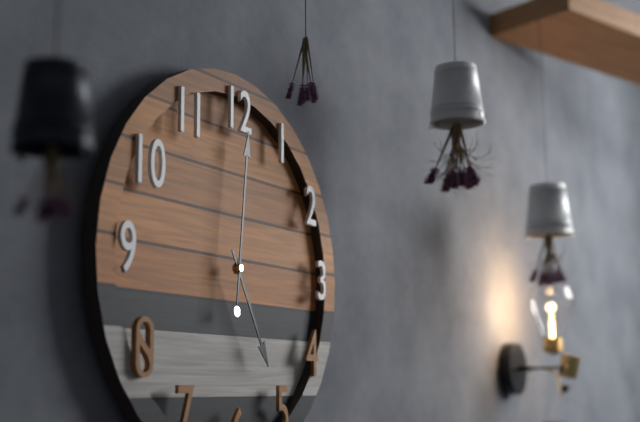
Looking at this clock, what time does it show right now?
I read 5:01
